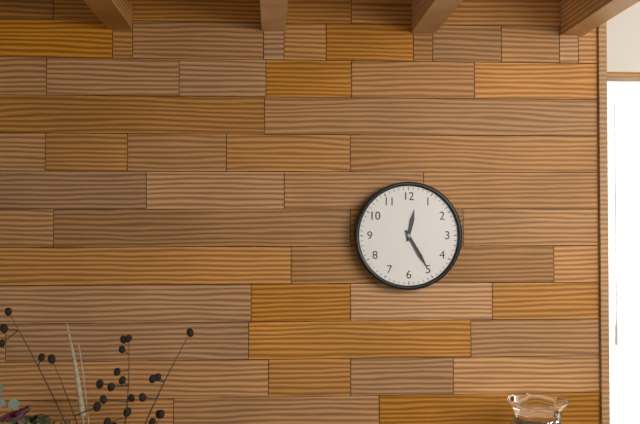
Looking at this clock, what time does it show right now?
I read 12:25
